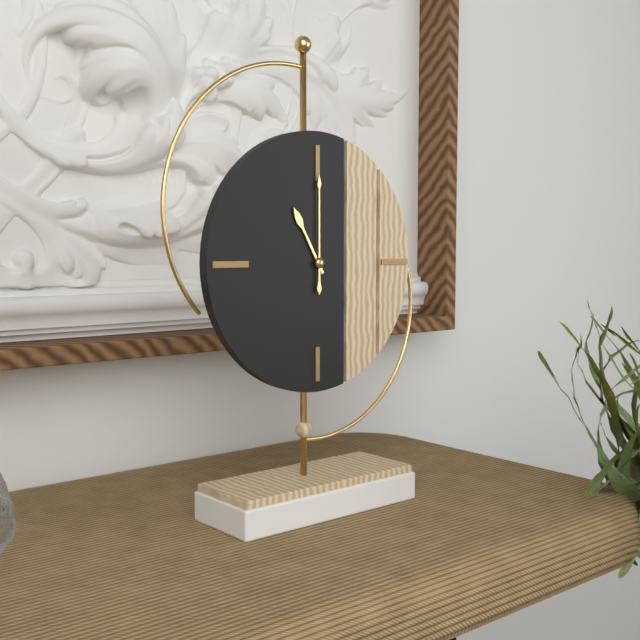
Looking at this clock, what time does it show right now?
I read 11:00
